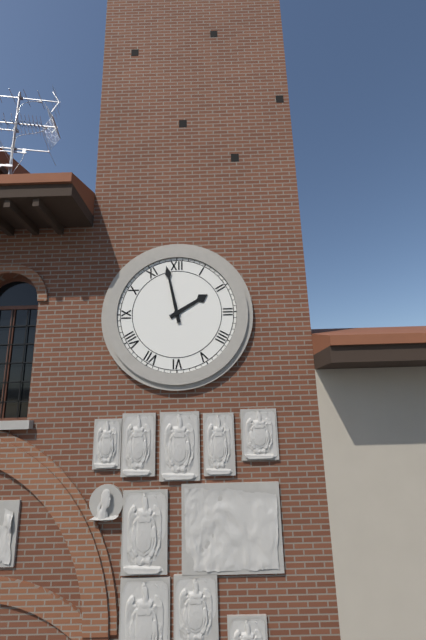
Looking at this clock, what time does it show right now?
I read 1:58
